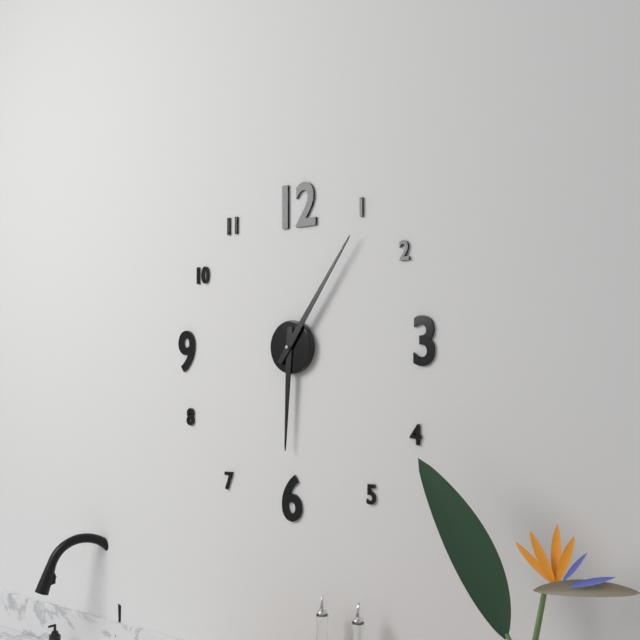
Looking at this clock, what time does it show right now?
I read 6:06
